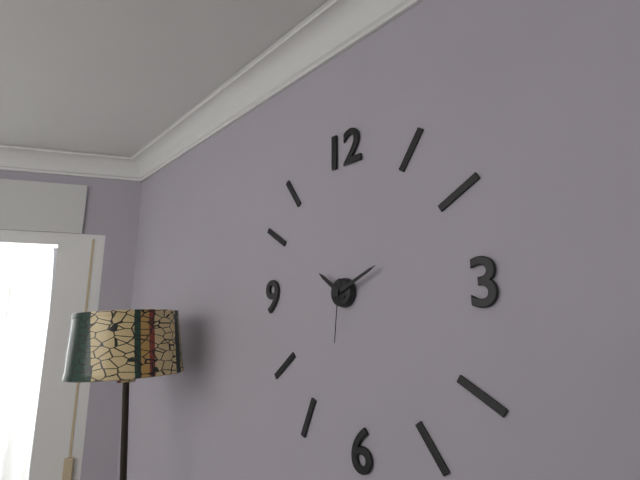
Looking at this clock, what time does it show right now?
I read 10:11:31
